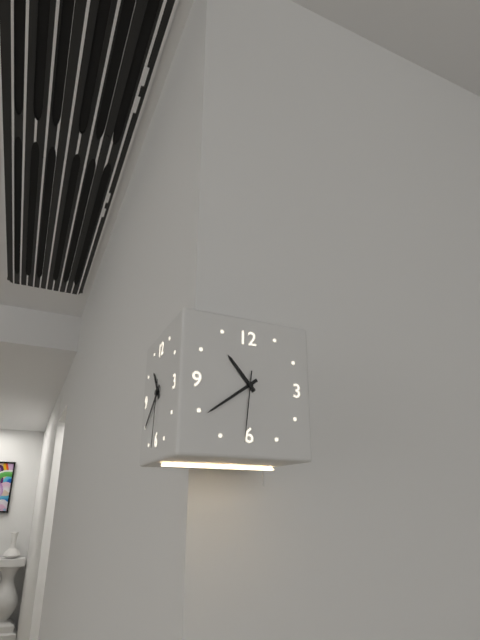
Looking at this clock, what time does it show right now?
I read 10:39:31
